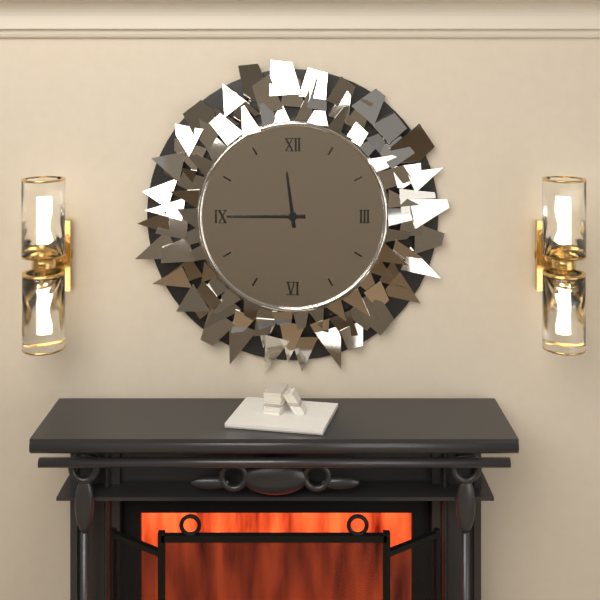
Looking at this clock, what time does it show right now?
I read 11:45
